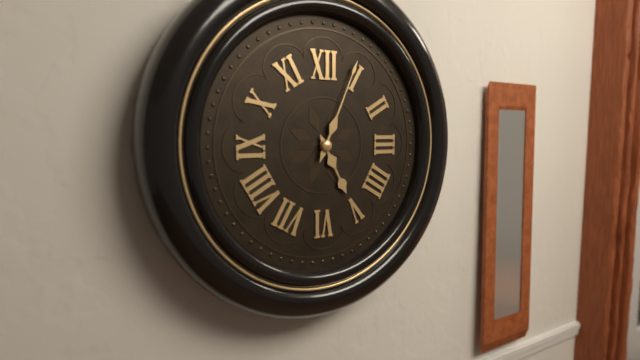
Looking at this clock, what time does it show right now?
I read 5:04
